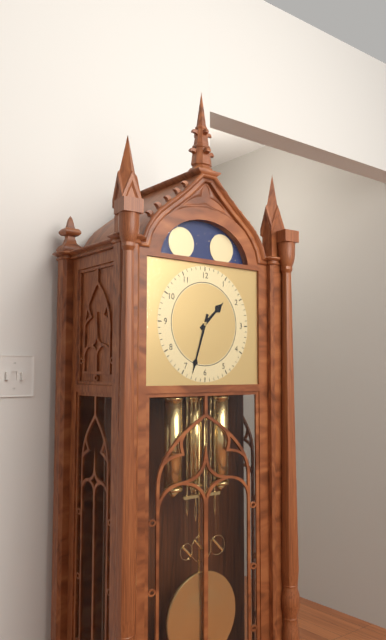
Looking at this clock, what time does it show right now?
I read 1:33
